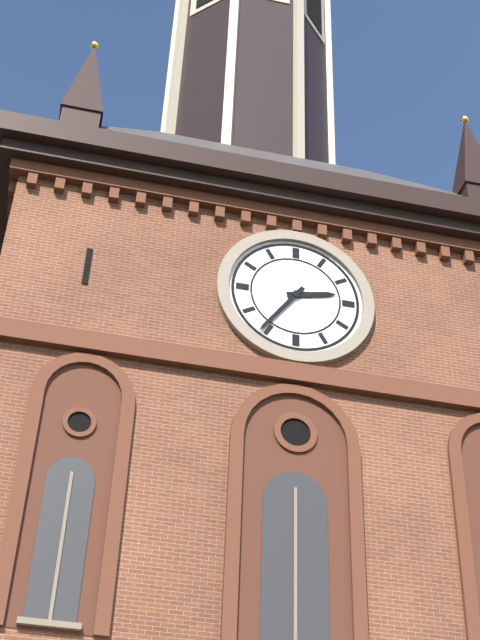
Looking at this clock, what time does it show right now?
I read 2:36
